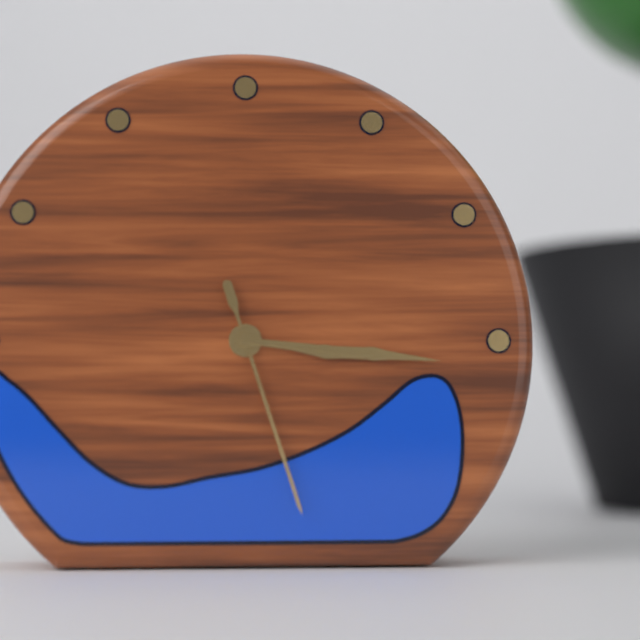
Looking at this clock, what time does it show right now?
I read 3:16:27
